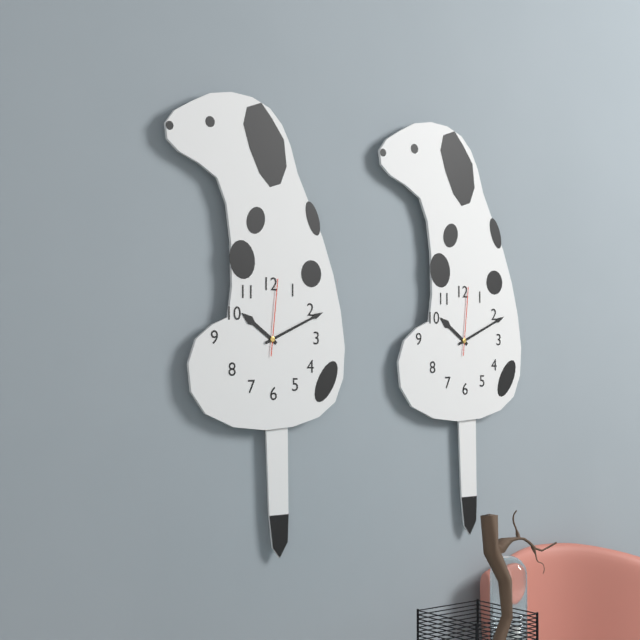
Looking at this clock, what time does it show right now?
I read 10:11:01
